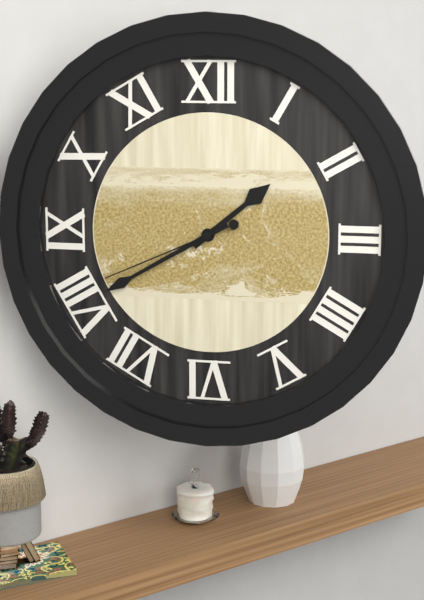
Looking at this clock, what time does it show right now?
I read 1:40:41
